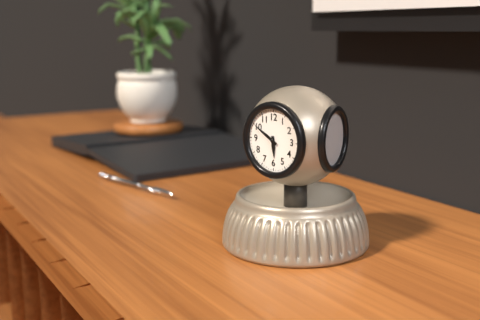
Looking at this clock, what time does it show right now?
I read 5:50
